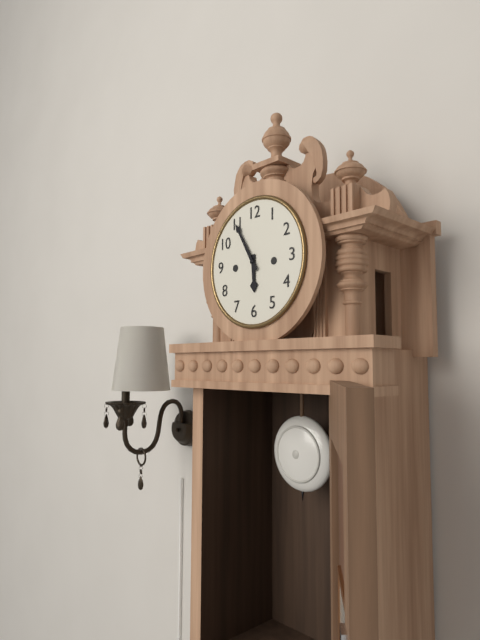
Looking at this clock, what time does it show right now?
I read 5:55
